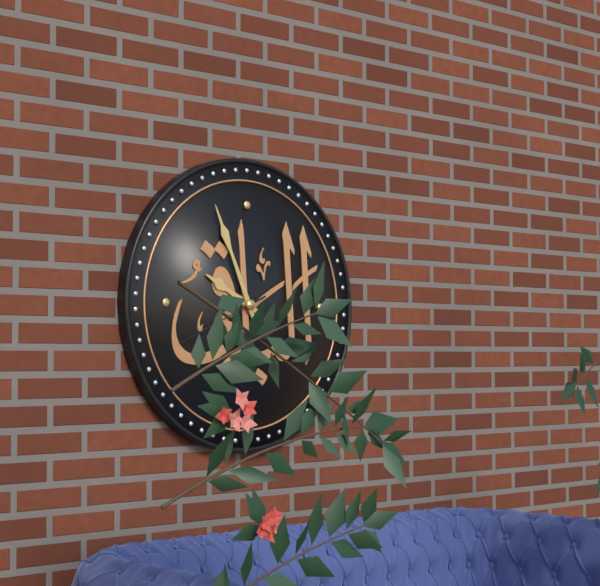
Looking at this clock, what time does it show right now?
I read 9:56:41
